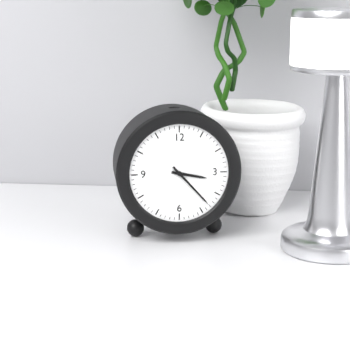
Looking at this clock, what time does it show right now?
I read 3:23
